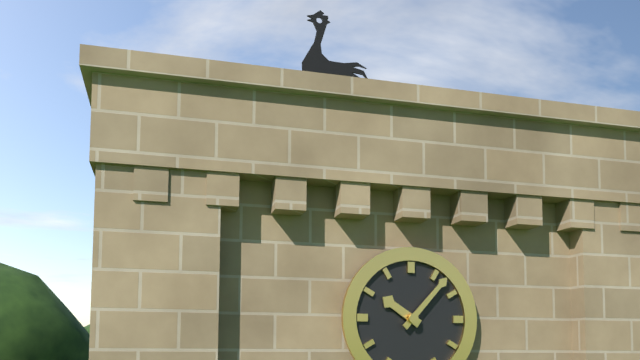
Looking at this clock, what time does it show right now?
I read 10:07
